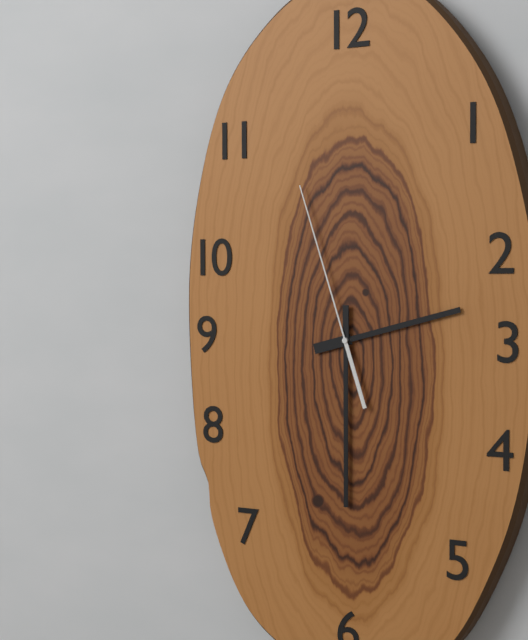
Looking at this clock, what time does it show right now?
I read 2:30:57
